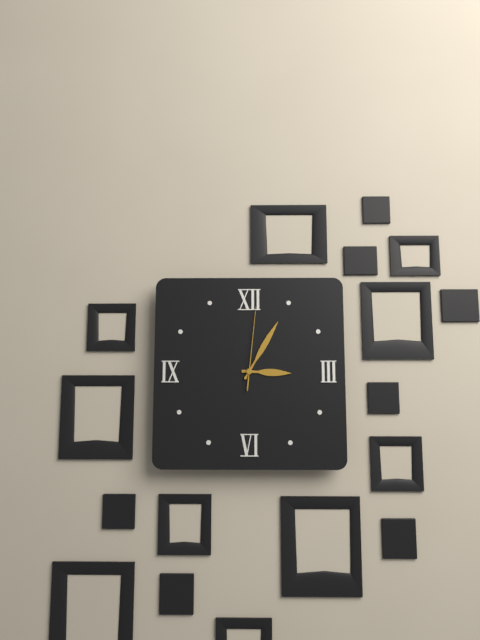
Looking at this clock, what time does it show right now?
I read 3:05:01
